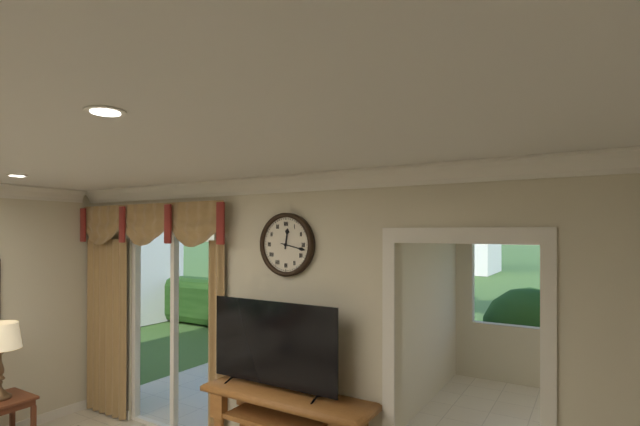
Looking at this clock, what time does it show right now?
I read 12:17
